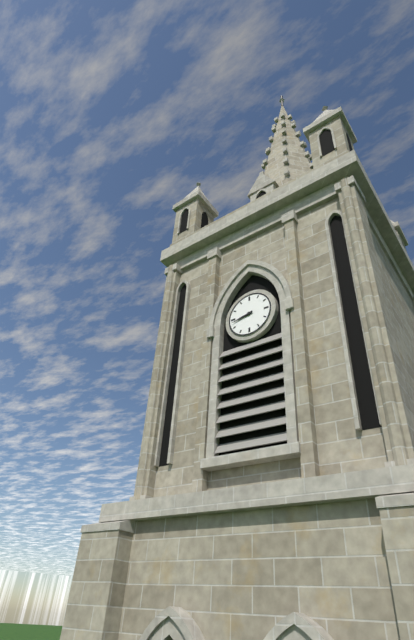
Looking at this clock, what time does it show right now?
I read 8:43
